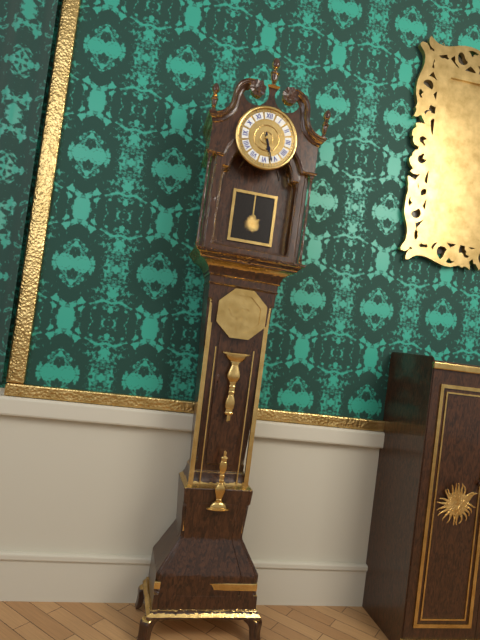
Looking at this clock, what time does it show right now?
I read 5:27
